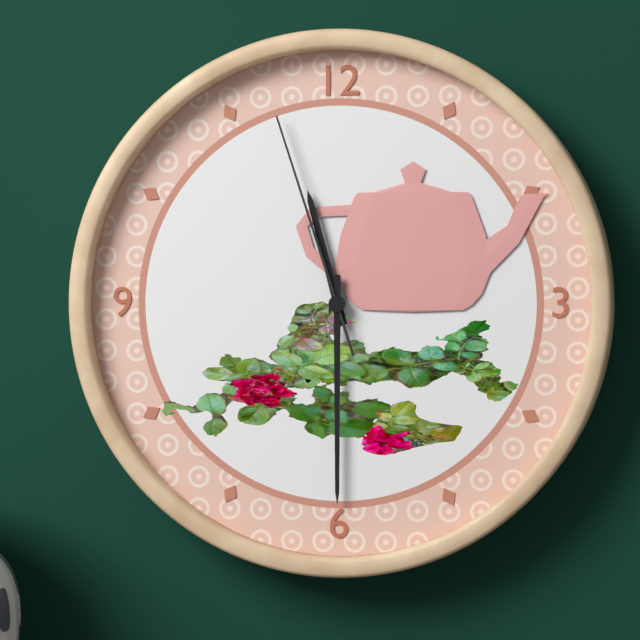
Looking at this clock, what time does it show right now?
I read 11:30:57
